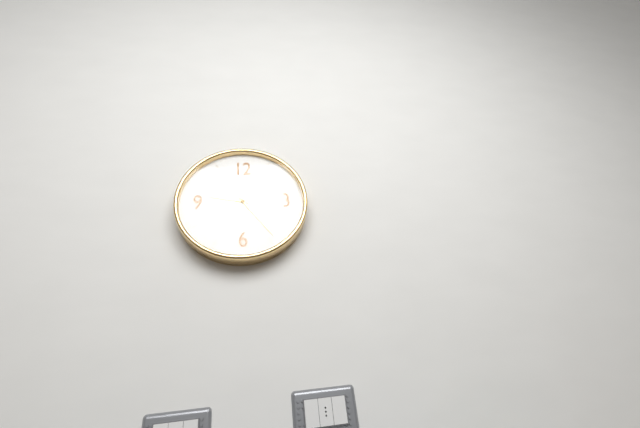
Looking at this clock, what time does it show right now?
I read 9:24
